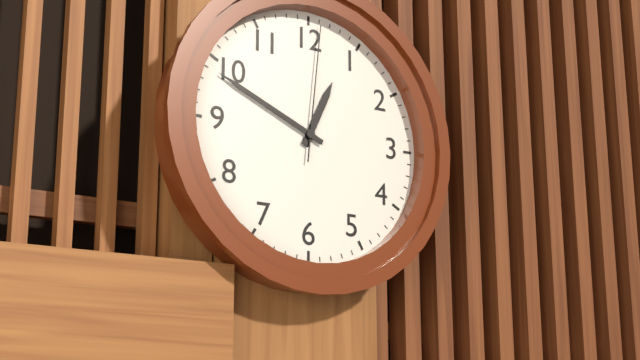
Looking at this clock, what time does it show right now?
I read 12:49:01
